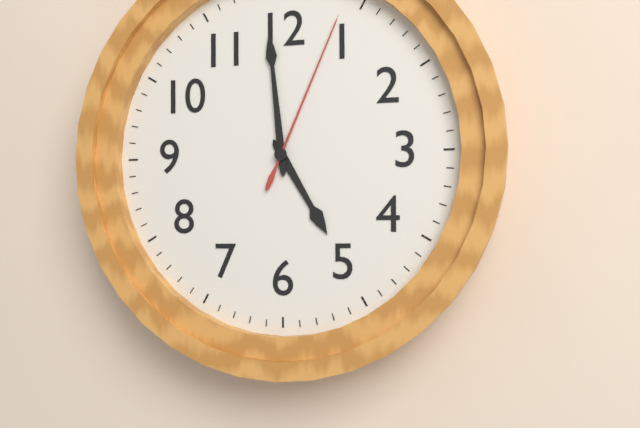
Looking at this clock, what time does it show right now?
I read 4:59:04
